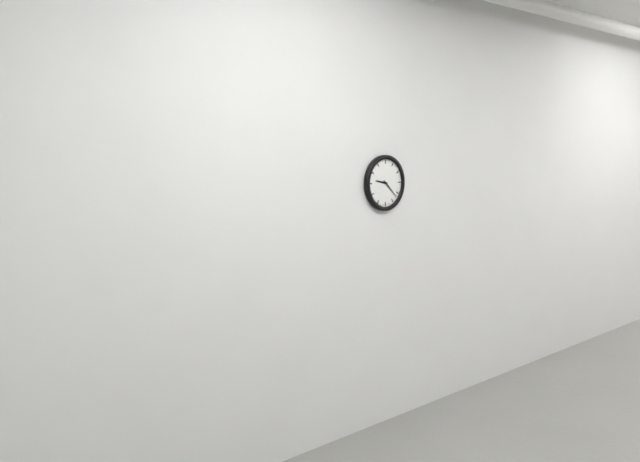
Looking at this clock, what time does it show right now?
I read 9:22
